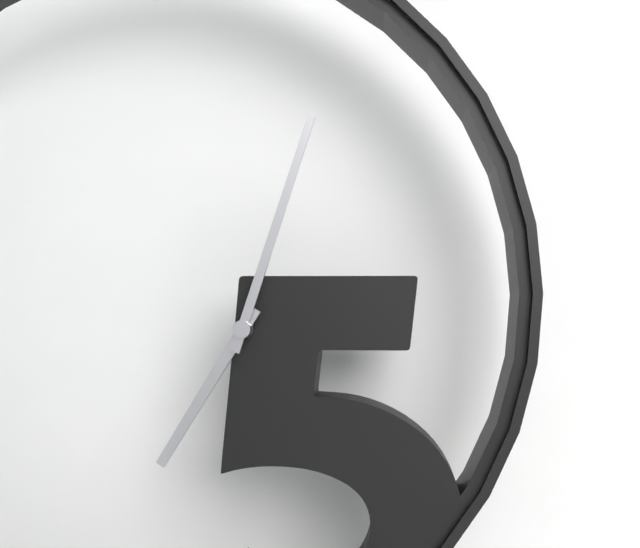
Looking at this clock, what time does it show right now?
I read 7:03
